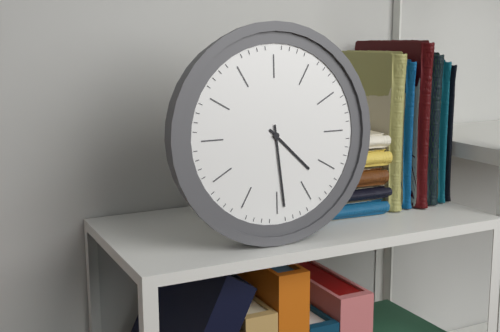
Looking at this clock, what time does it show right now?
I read 4:29
